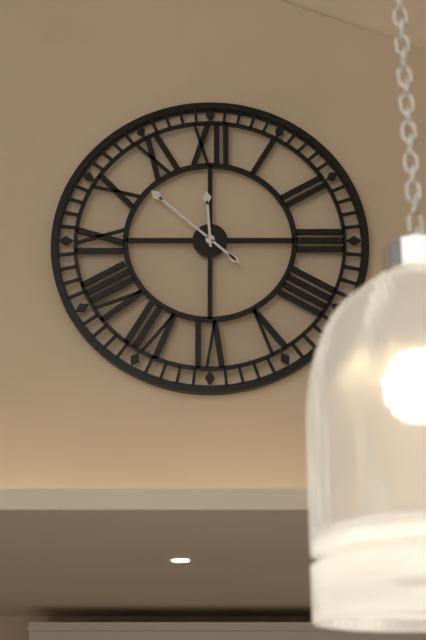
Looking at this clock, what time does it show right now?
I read 11:52
